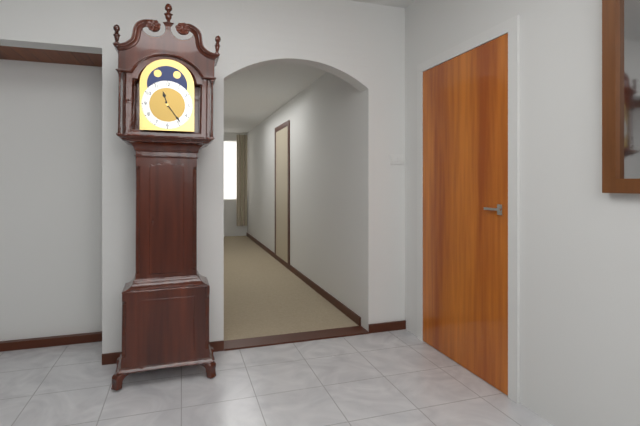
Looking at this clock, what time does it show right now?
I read 11:24
